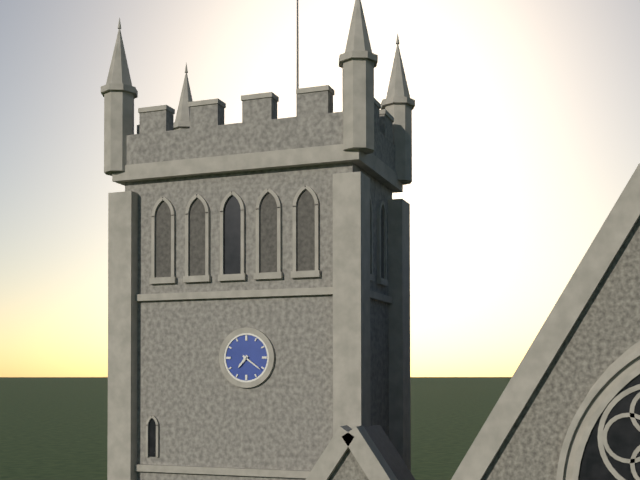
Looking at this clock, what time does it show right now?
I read 7:21
